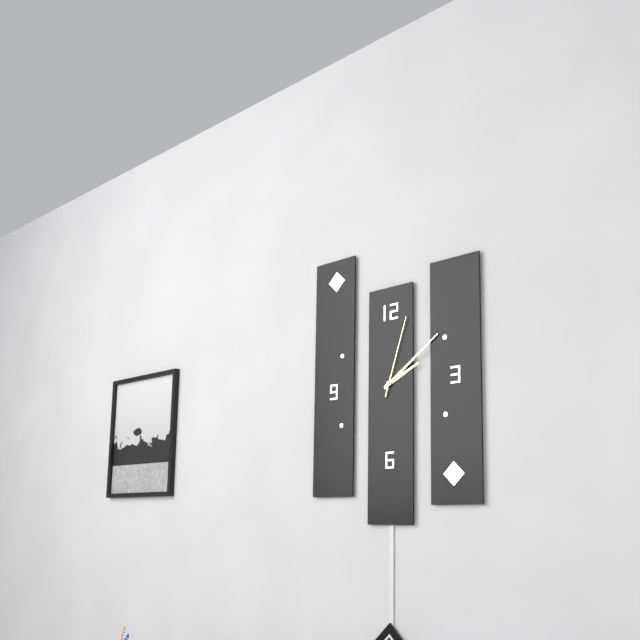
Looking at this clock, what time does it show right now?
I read 2:09:03
